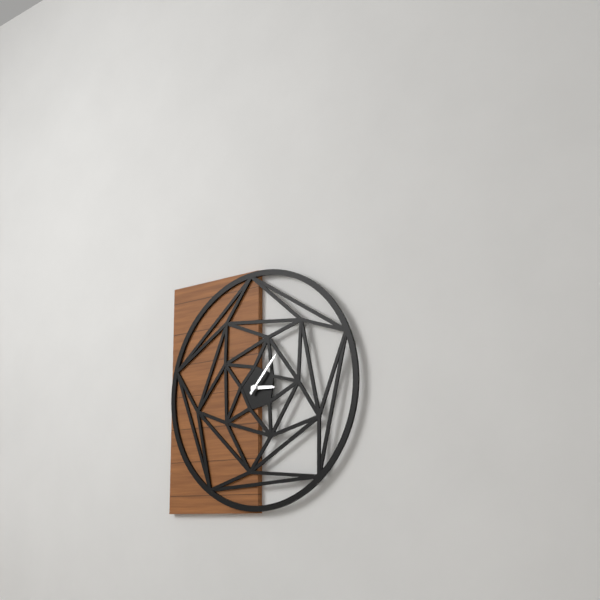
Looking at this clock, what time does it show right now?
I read 3:07
